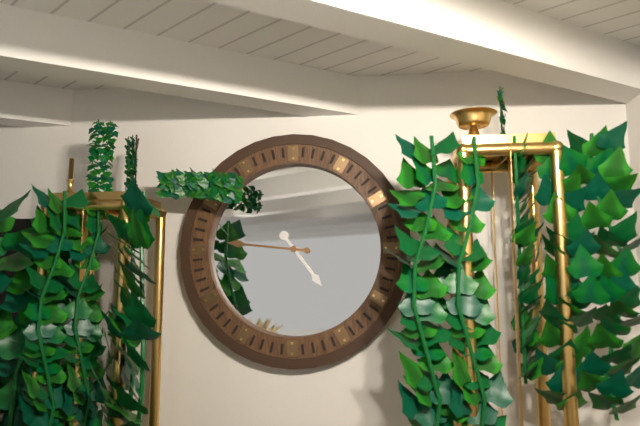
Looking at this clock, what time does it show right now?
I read 4:46
